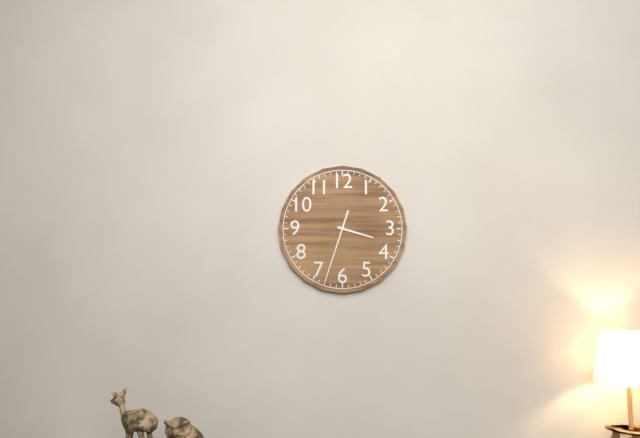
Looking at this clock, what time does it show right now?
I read 3:33
